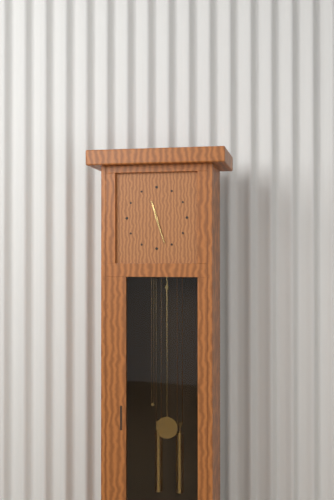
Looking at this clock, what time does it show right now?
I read 11:27
